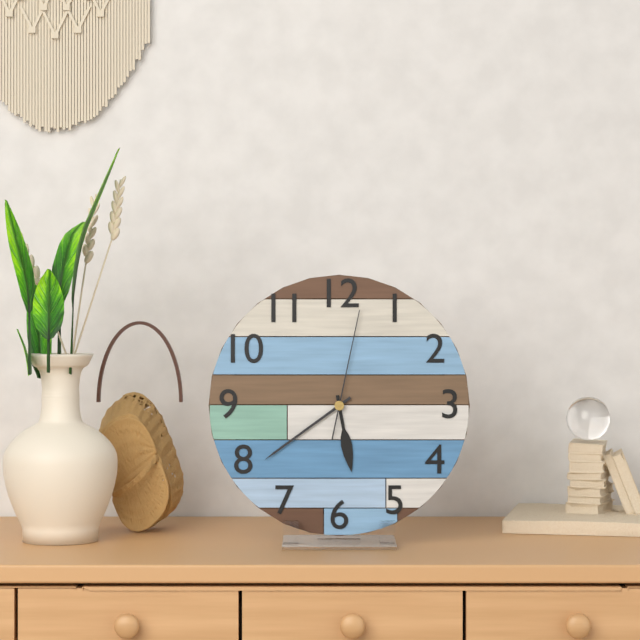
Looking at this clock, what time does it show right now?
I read 5:39:02
